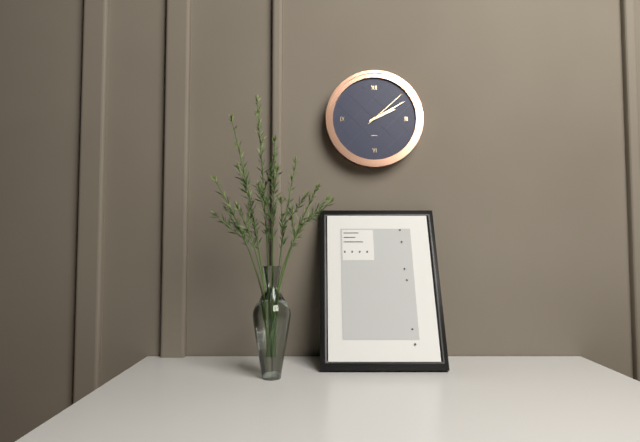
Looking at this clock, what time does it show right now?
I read 2:10
